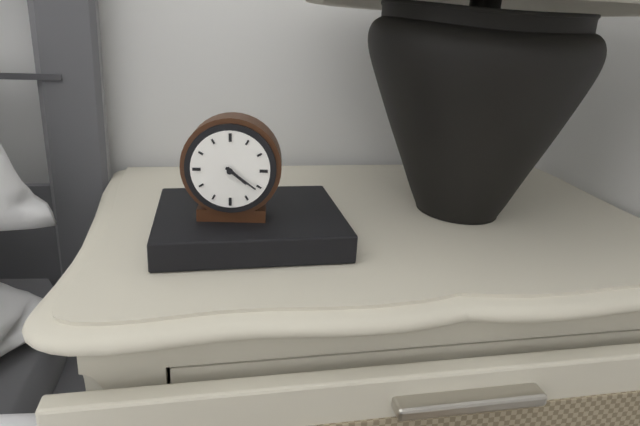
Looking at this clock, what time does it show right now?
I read 4:21
